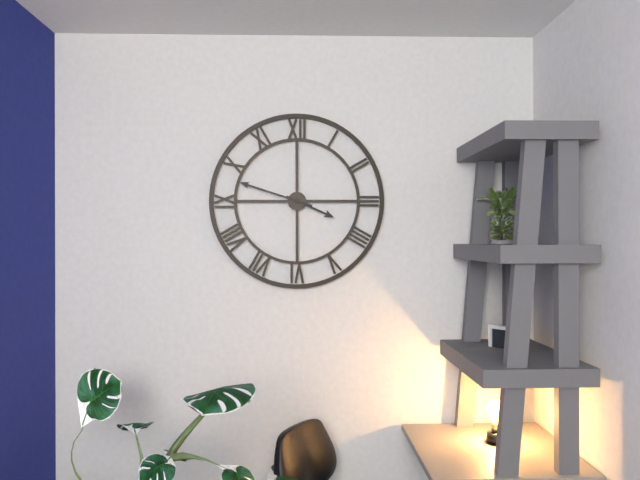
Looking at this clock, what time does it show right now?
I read 3:48
